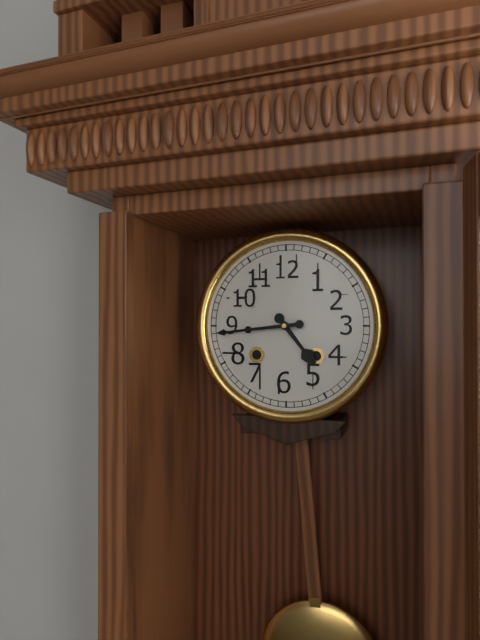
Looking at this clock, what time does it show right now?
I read 4:44
